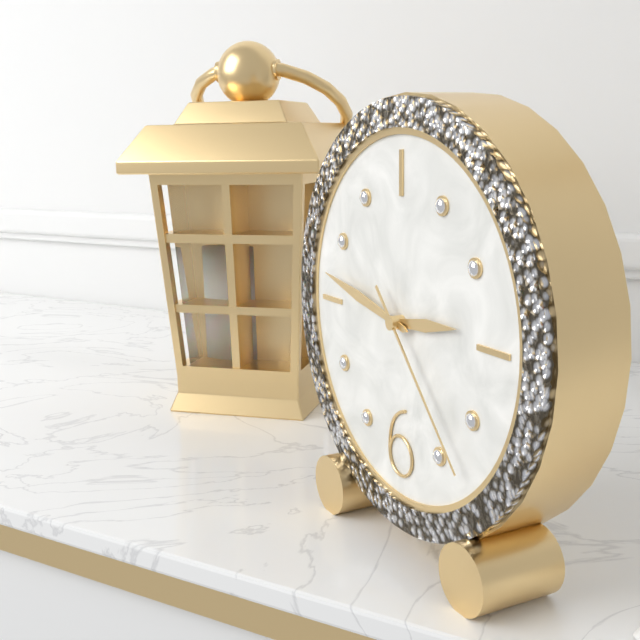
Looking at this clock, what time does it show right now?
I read 2:47:23
